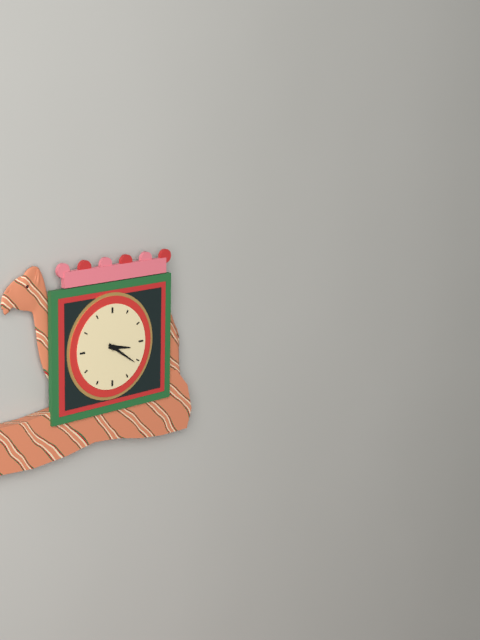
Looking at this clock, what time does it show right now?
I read 3:21
